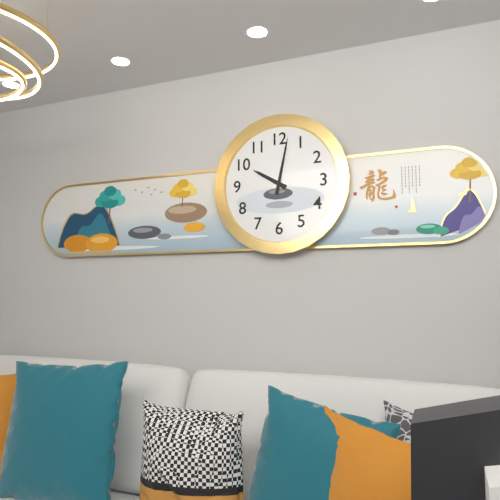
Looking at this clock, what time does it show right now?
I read 10:02
